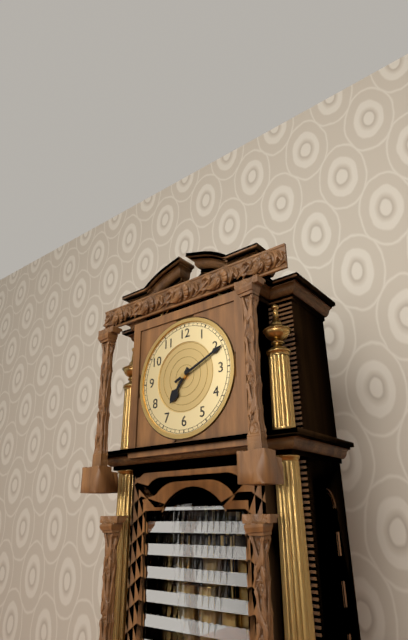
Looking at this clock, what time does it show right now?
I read 7:11
